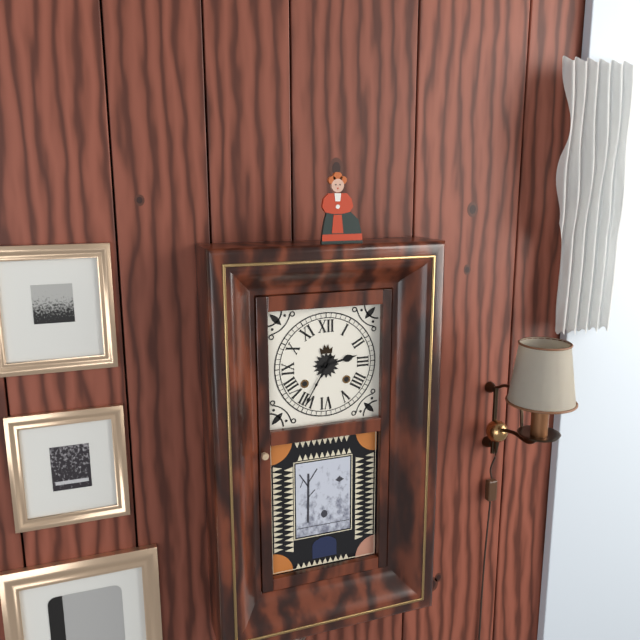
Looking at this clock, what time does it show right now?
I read 2:35
